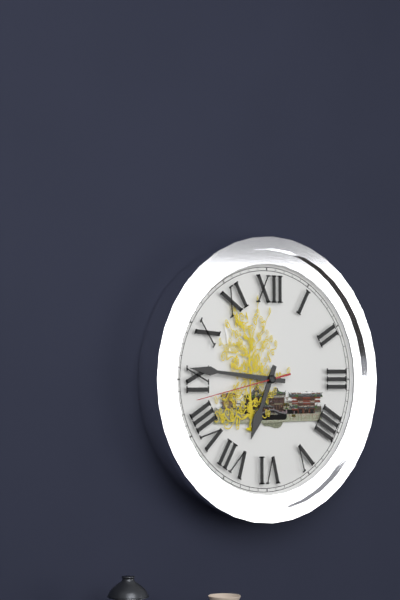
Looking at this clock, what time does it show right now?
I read 6:46:43
